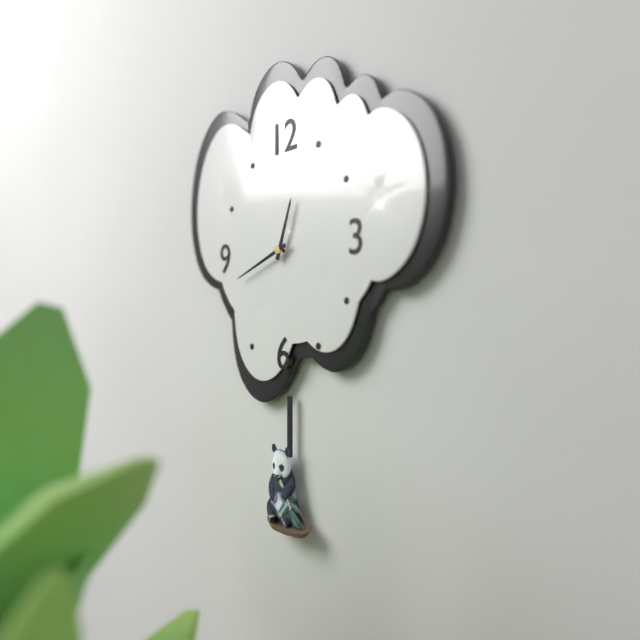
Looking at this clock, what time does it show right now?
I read 12:42
